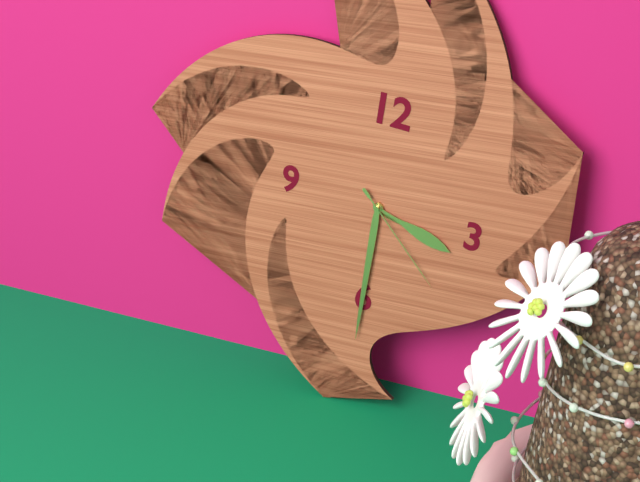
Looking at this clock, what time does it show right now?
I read 3:30:22
